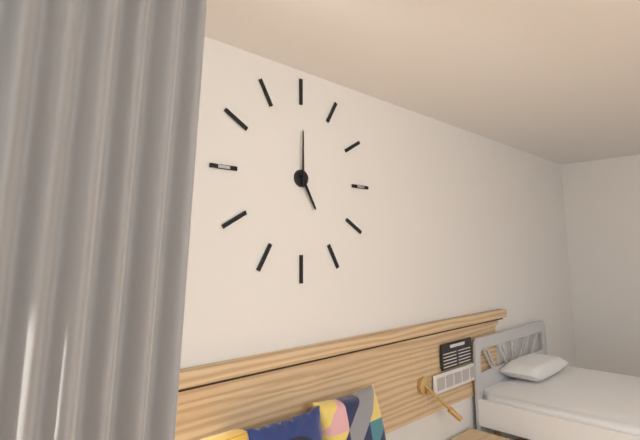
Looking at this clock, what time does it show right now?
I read 5:00
